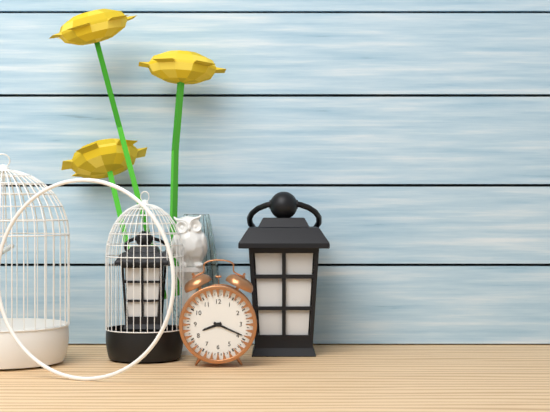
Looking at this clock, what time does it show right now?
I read 8:19
